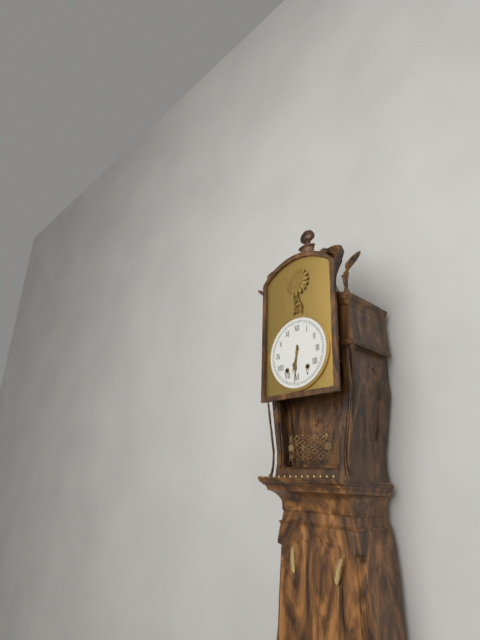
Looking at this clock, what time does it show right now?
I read 6:31
